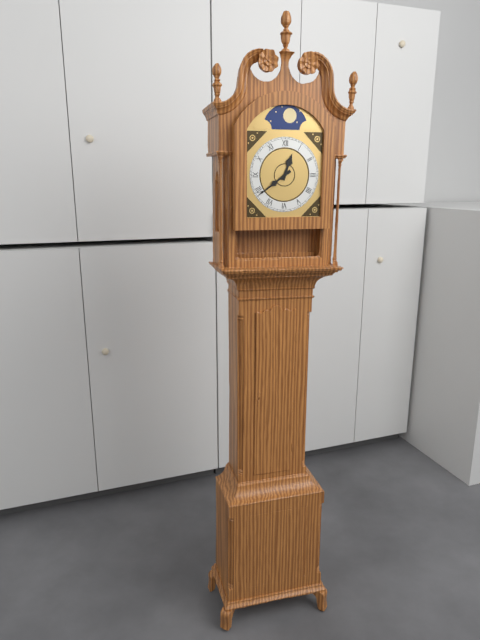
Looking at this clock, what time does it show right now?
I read 12:39
